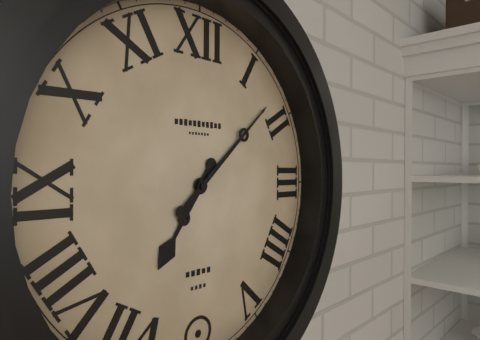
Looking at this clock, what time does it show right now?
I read 7:08
